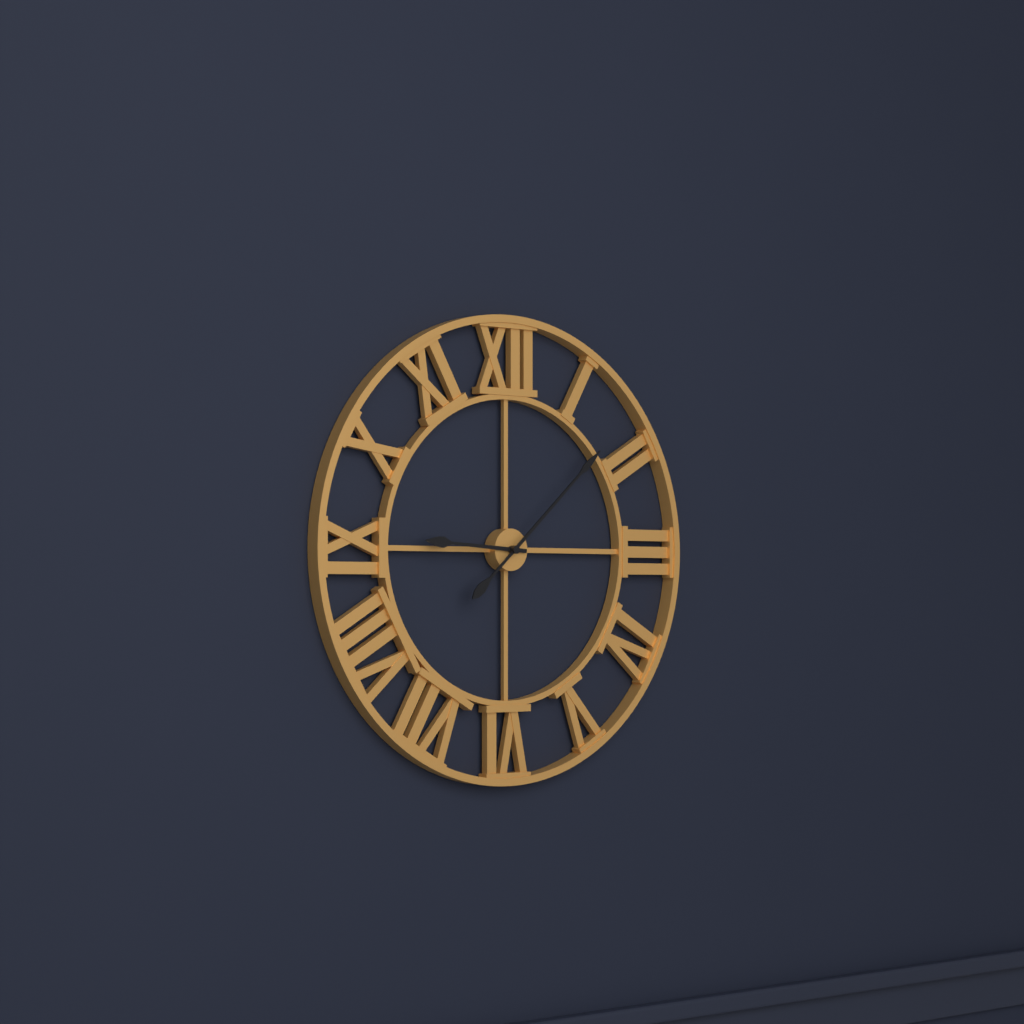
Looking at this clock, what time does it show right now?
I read 9:08
